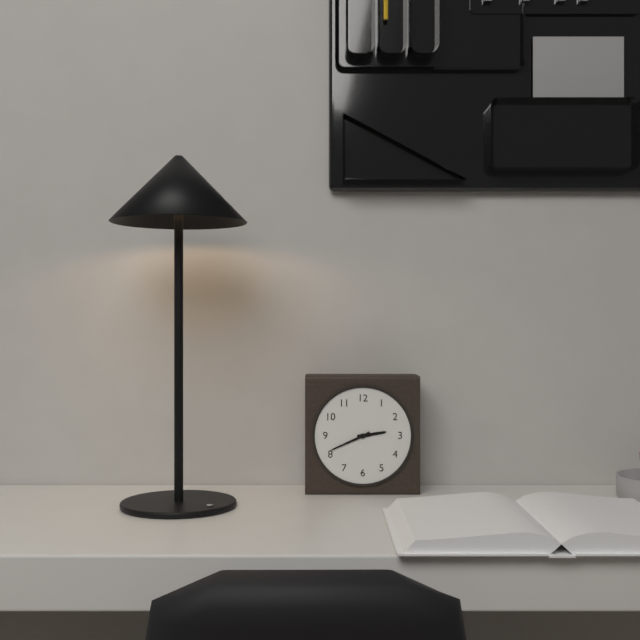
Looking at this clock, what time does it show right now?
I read 2:41
